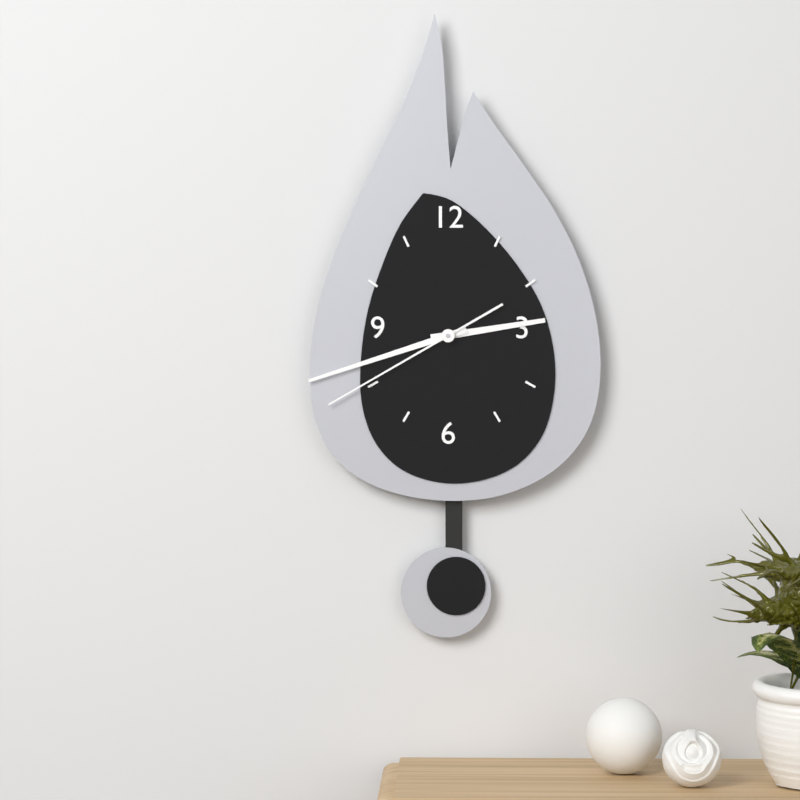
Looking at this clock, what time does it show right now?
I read 2:42:40
